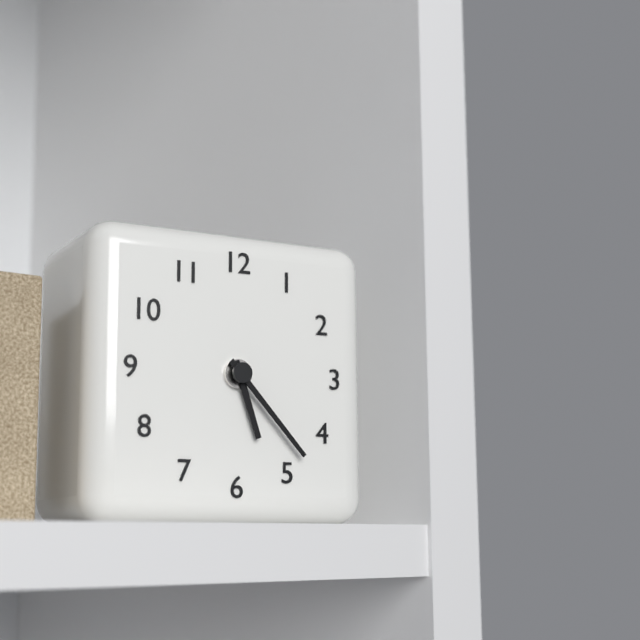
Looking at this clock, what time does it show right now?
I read 5:23
